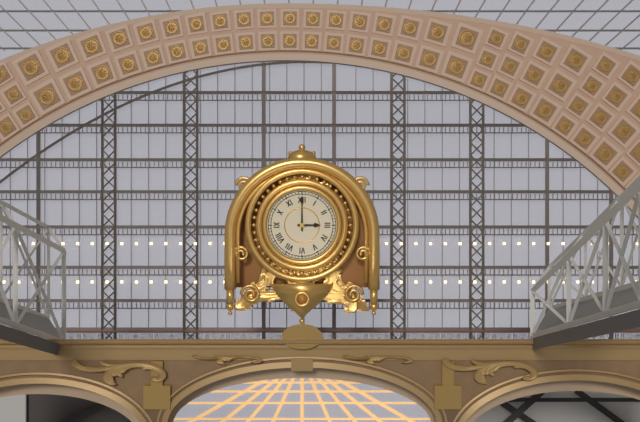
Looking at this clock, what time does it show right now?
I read 3:00
